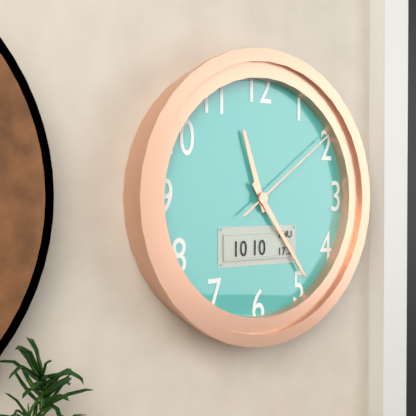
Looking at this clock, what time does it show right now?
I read 11:24:09
